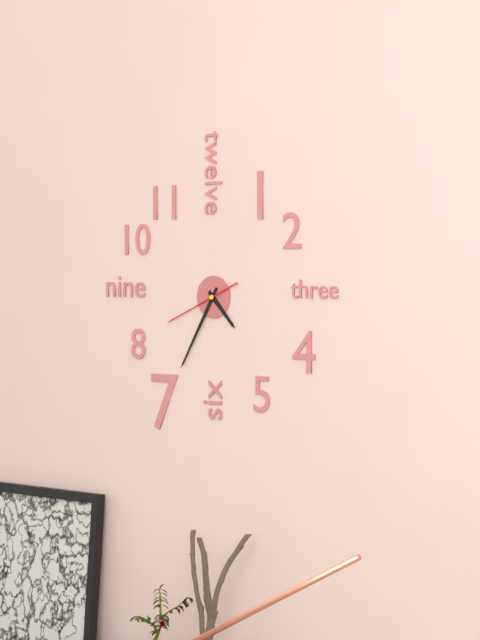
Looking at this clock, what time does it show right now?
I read 4:35:41
